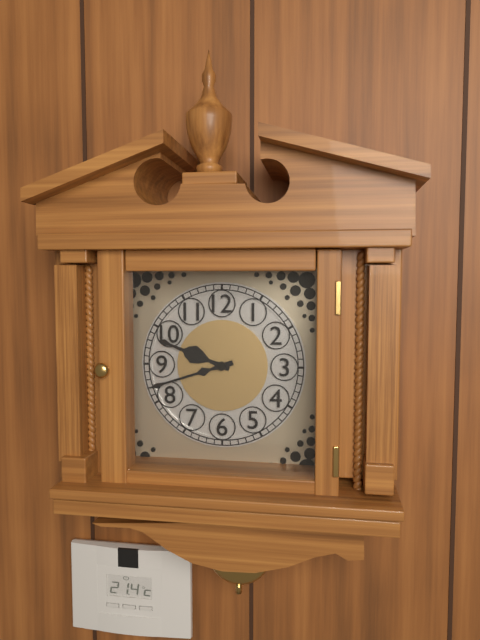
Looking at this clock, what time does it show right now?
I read 9:42
